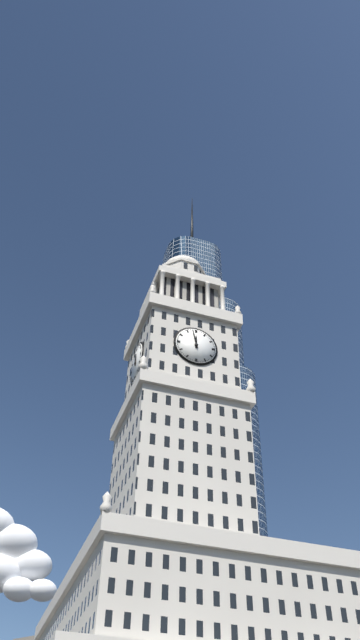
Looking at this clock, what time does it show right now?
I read 11:58
